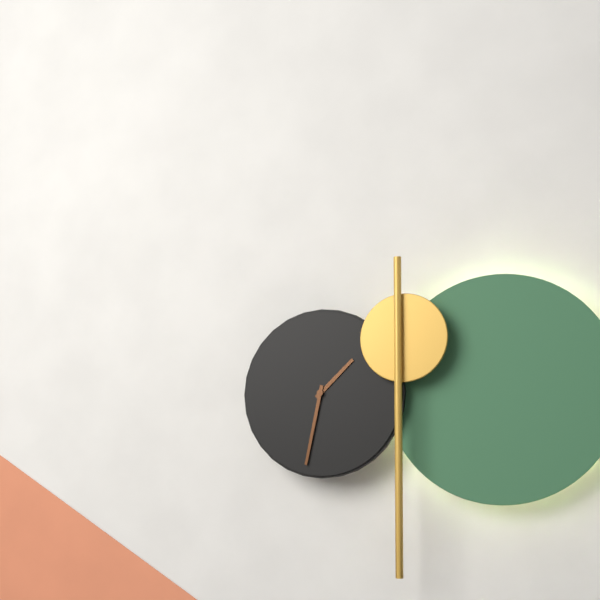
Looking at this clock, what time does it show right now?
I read 1:32
